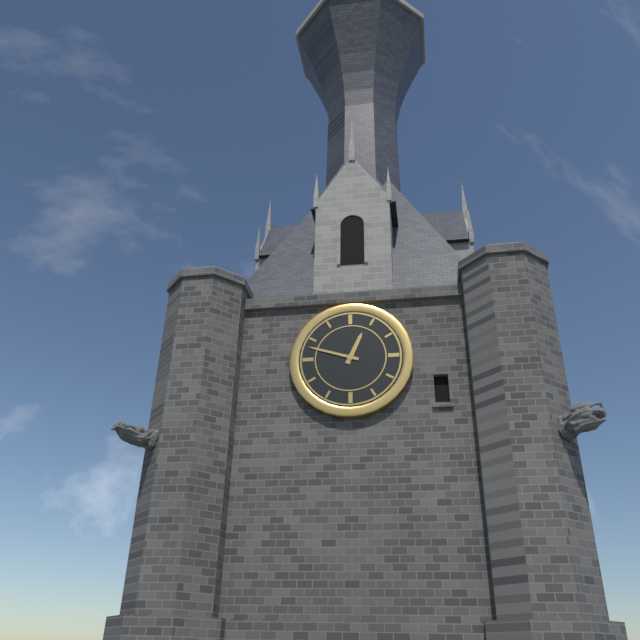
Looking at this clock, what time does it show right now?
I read 12:48
